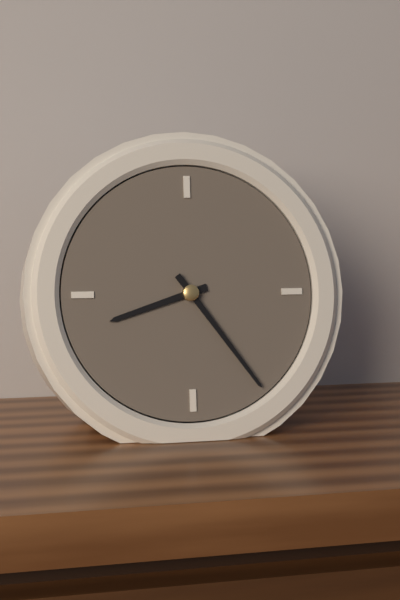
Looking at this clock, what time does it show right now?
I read 8:24
